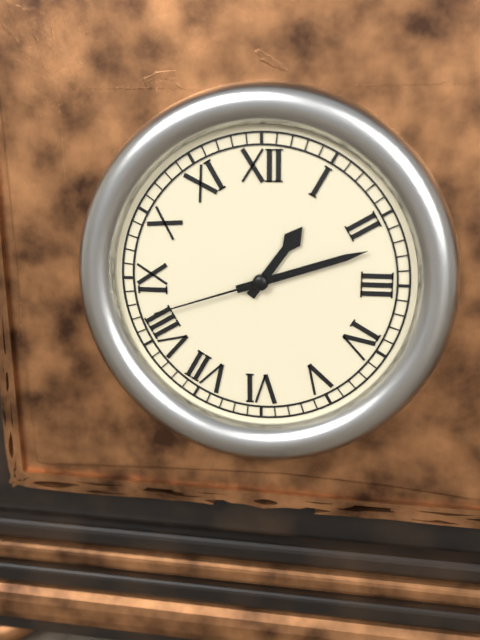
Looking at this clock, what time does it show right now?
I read 1:12:42
